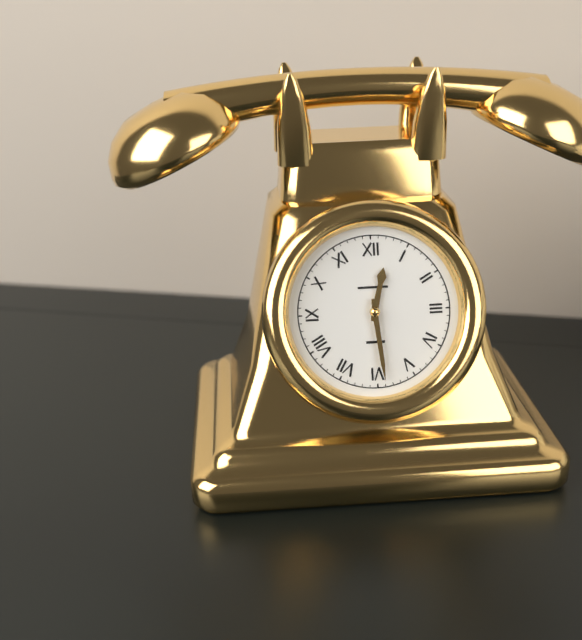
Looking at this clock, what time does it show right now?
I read 12:29
